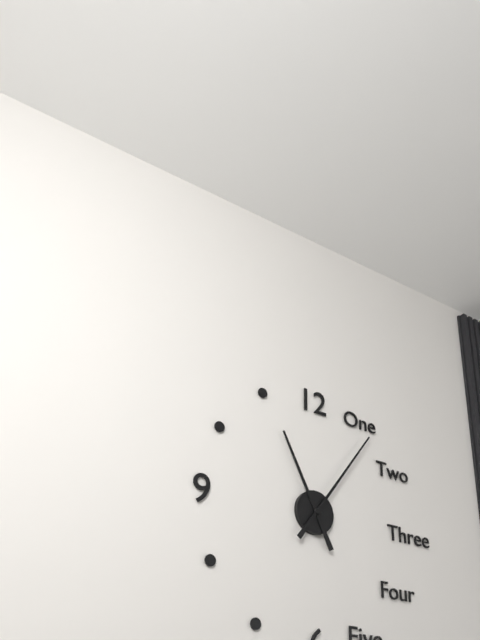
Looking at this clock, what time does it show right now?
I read 11:06
